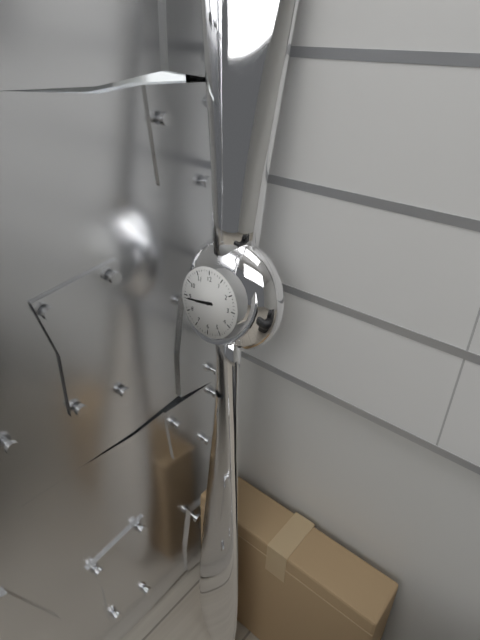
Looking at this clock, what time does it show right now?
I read 8:44
